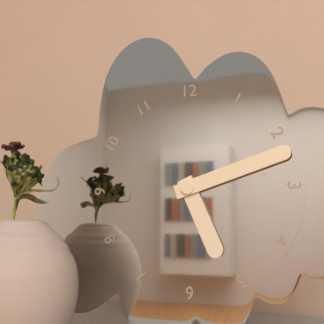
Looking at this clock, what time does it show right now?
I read 5:12
